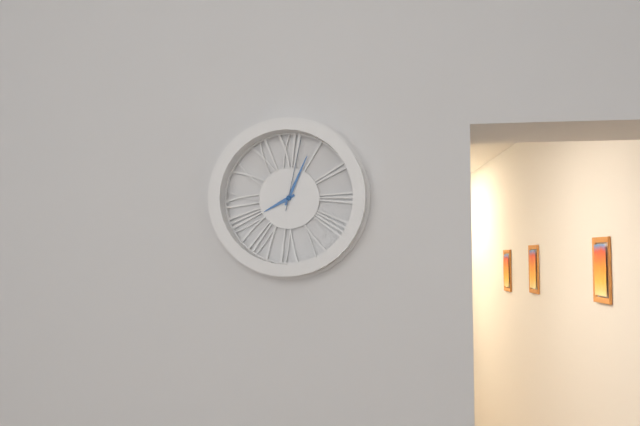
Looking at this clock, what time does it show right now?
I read 8:04:02
